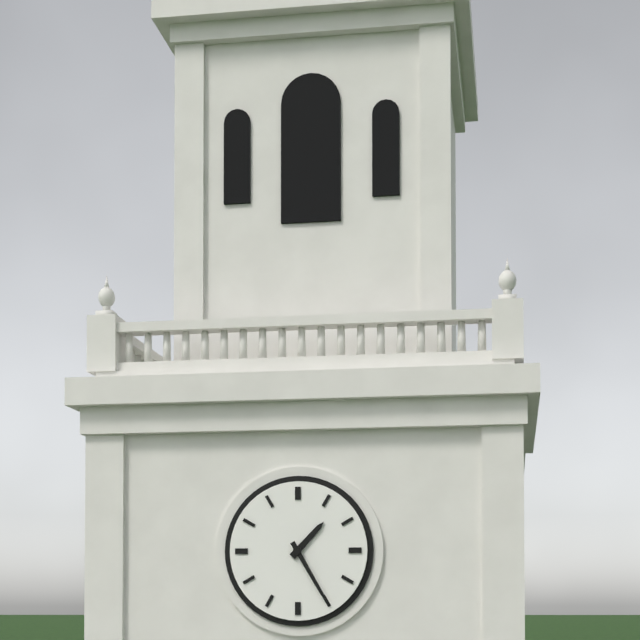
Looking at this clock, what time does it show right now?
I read 1:25
